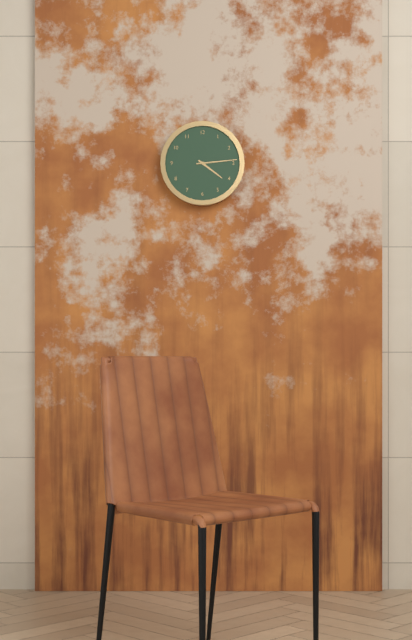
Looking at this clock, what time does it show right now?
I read 4:14
